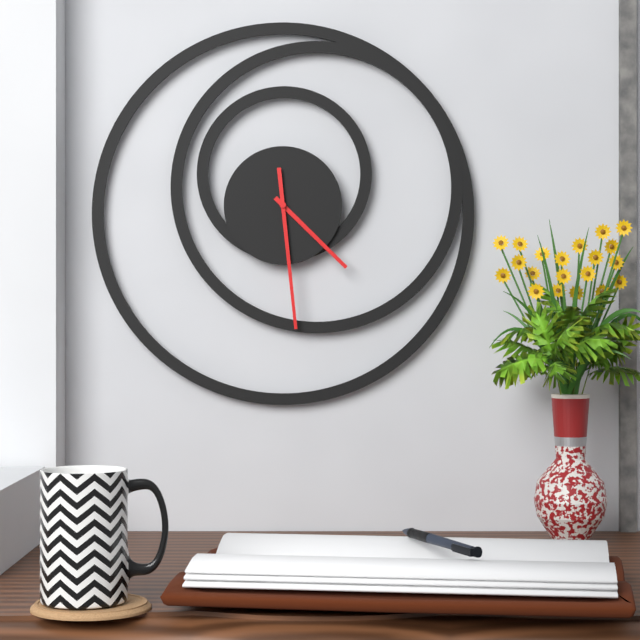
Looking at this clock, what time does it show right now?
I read 4:29
